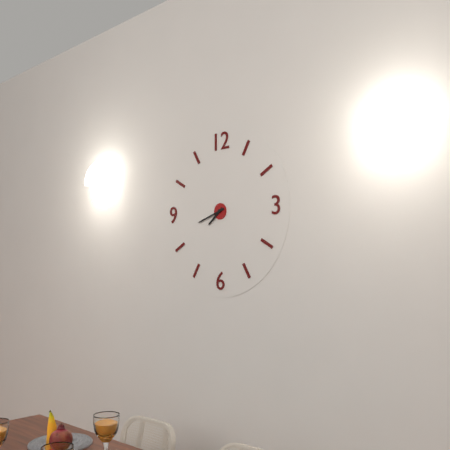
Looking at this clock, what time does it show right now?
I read 7:42
